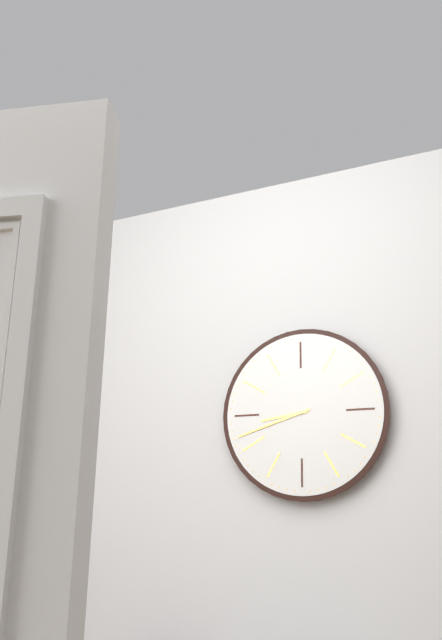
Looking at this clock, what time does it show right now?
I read 8:42
